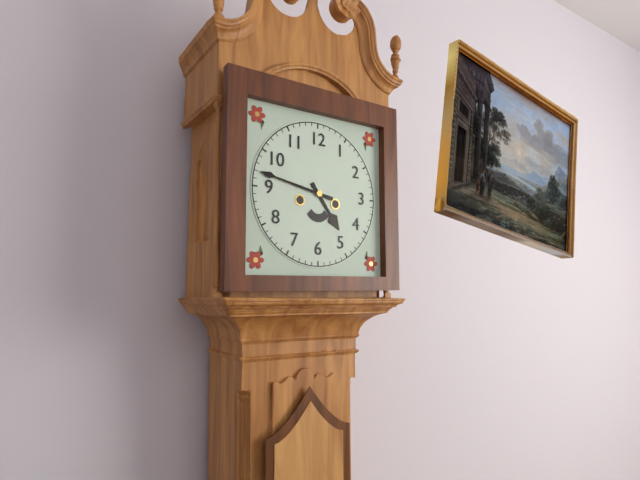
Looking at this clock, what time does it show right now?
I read 4:47
